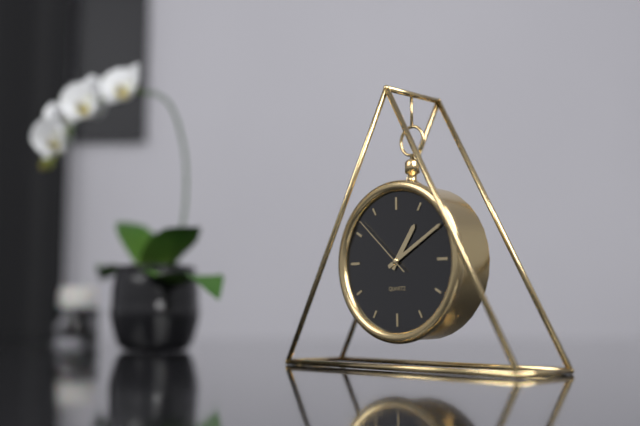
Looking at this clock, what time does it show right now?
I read 1:10:52
